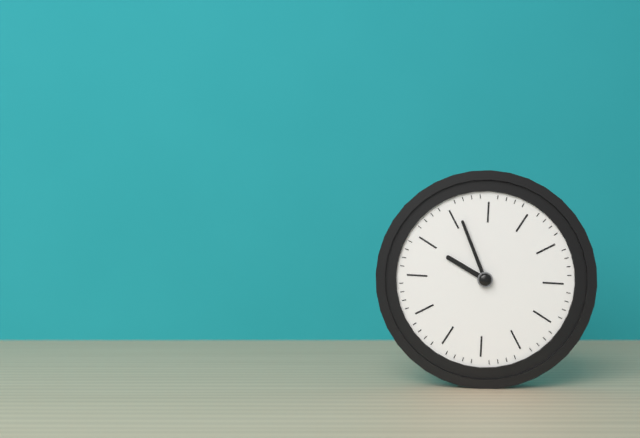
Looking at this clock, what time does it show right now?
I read 9:56
